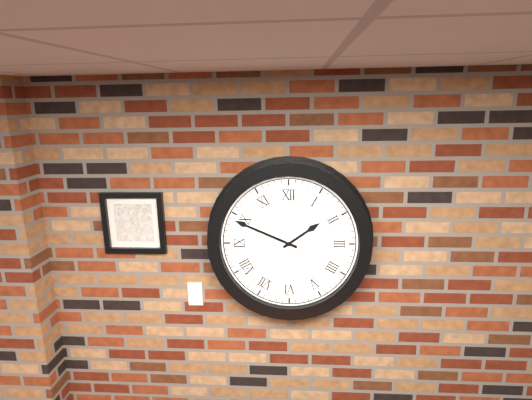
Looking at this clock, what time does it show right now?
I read 1:49
